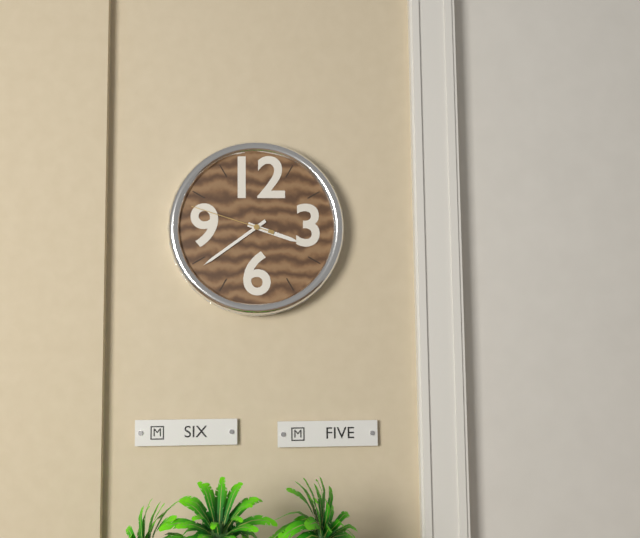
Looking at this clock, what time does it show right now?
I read 3:39:48
